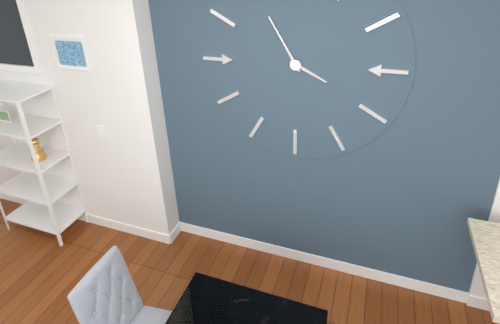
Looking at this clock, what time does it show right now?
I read 3:55
